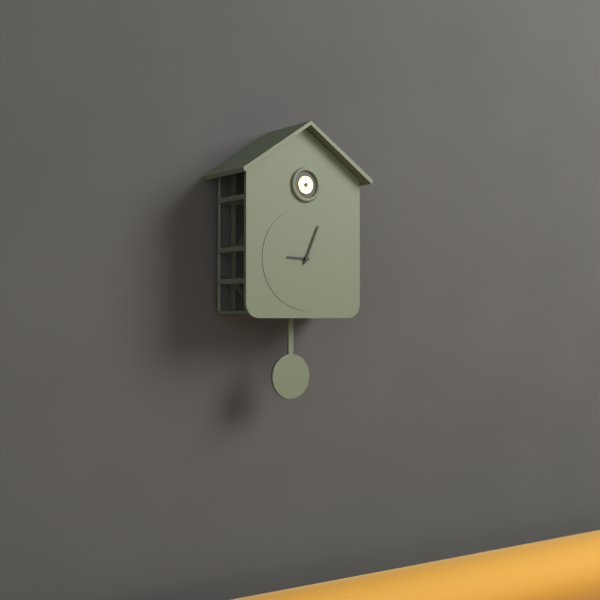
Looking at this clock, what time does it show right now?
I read 9:04
